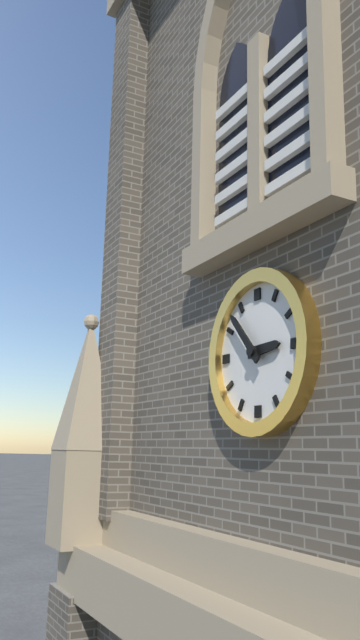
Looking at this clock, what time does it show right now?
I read 2:53
